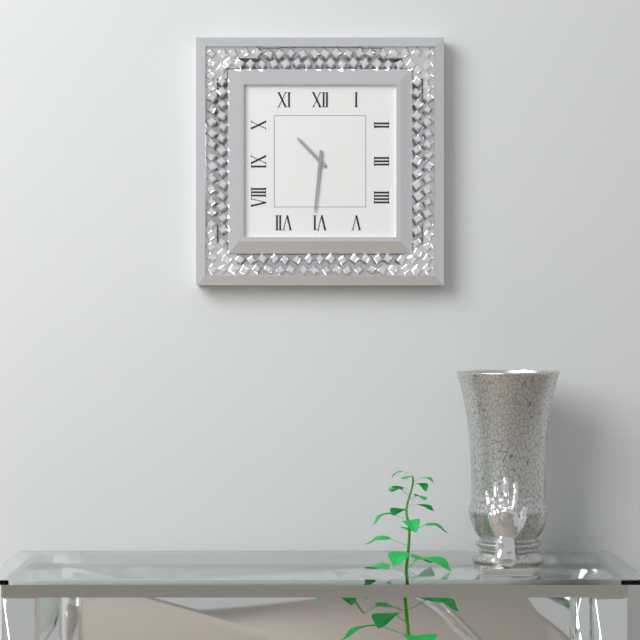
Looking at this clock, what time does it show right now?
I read 10:31
